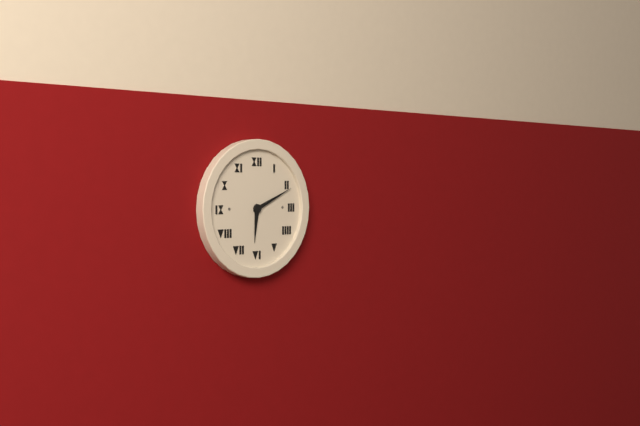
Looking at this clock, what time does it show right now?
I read 6:11
